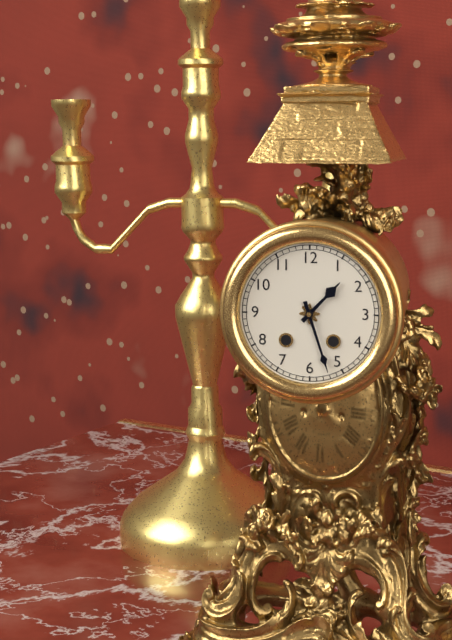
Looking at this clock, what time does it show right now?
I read 1:27
